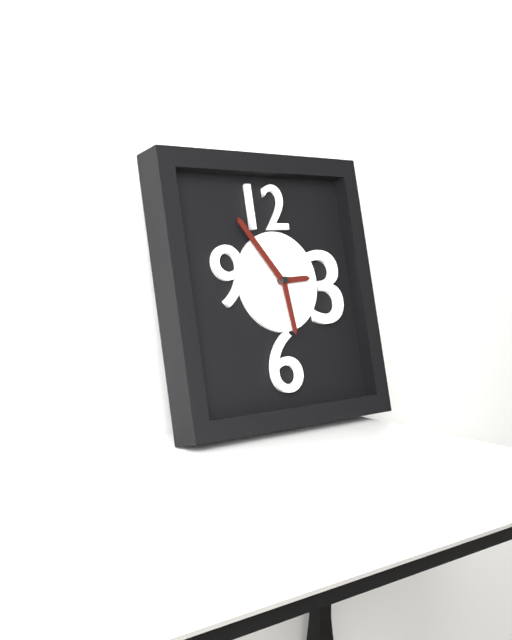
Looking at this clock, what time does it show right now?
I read 2:54:29
